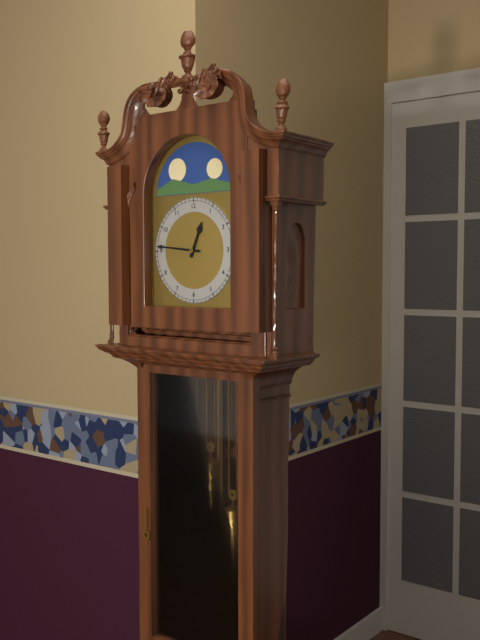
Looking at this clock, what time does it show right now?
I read 12:46
